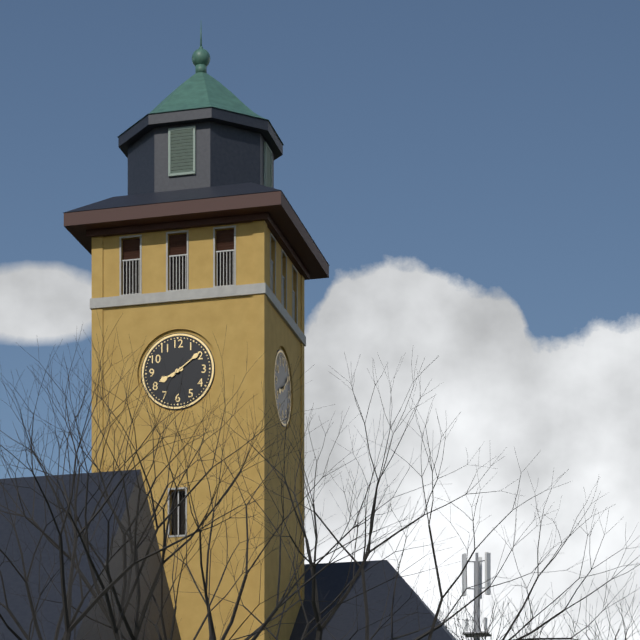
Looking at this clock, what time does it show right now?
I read 8:09
